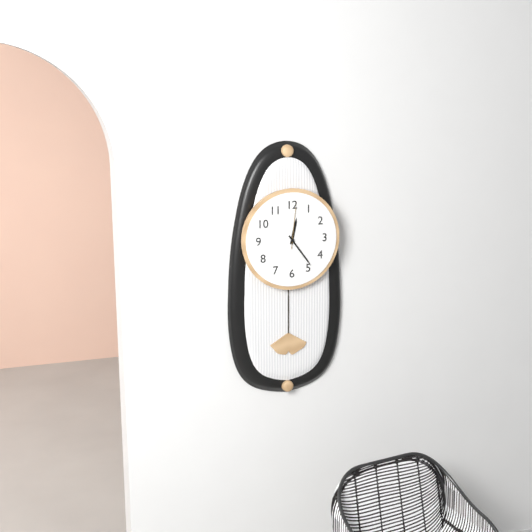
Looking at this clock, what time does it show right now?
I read 12:24
